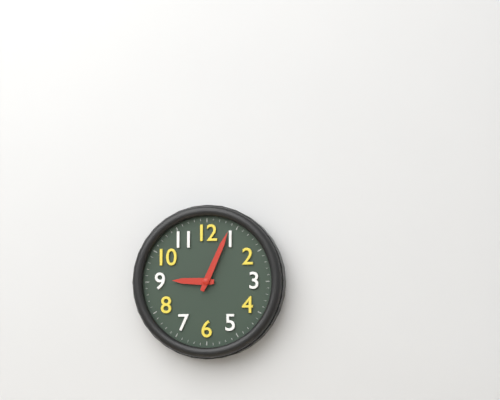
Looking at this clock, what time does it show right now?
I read 9:04
